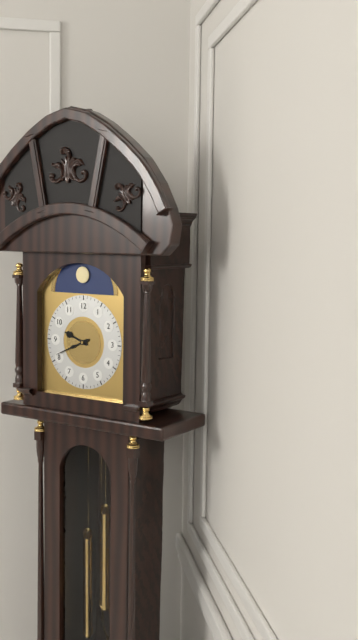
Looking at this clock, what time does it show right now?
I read 9:41
